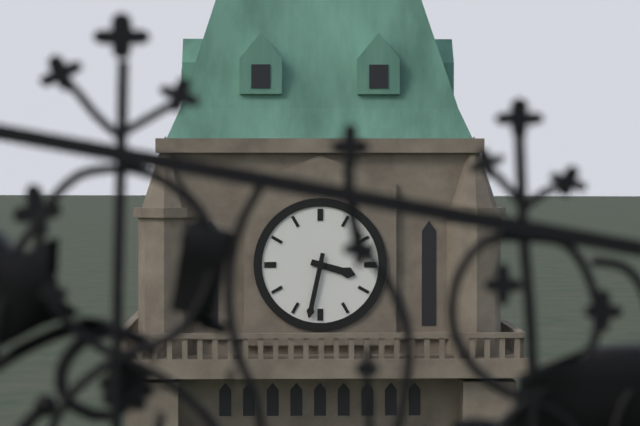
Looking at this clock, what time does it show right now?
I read 3:32
